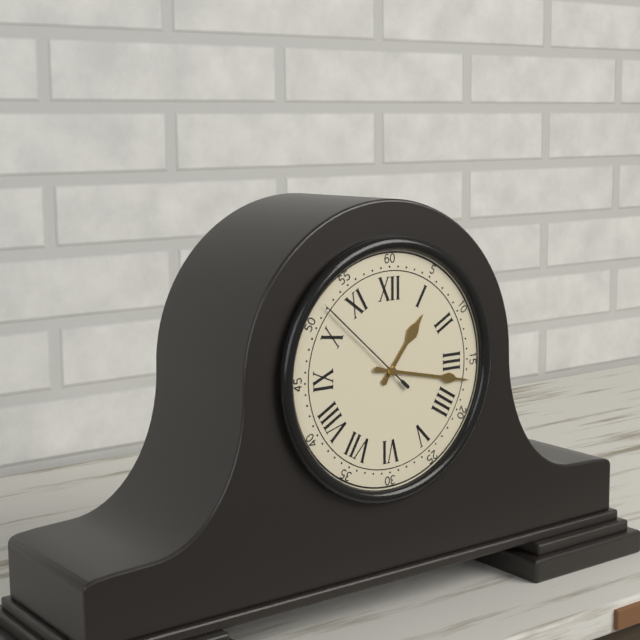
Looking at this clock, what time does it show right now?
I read 1:17:52
